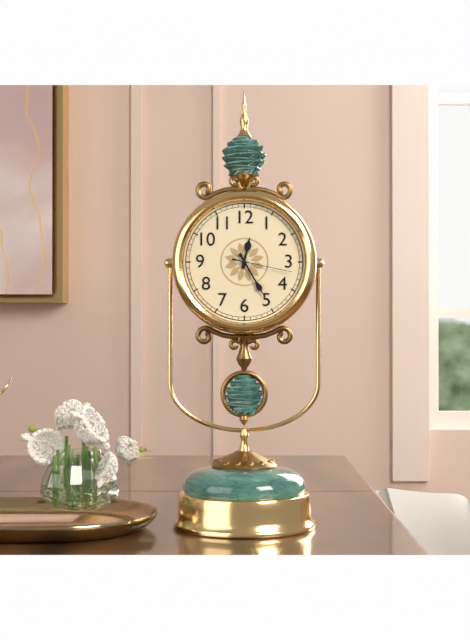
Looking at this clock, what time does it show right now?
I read 12:25:17
